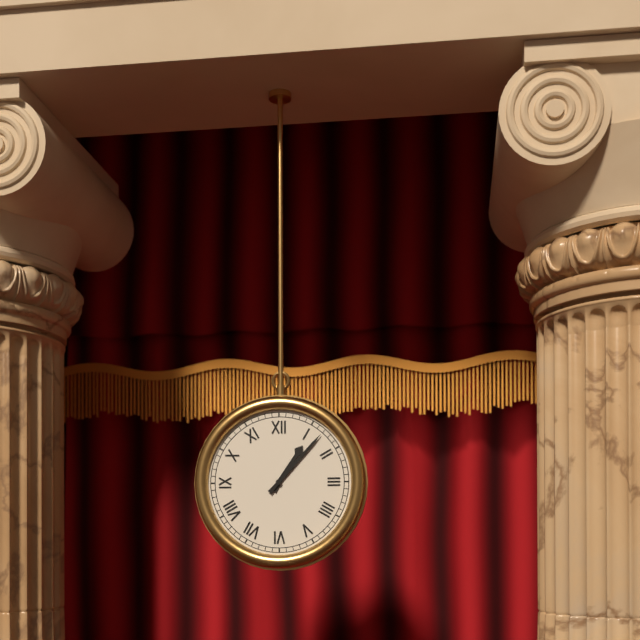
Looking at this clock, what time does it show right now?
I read 1:07
